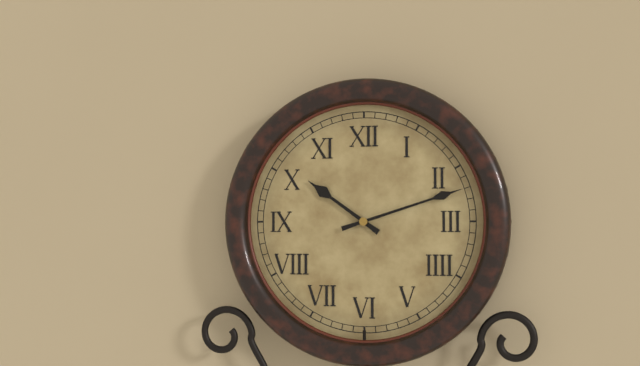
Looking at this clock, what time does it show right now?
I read 10:12
